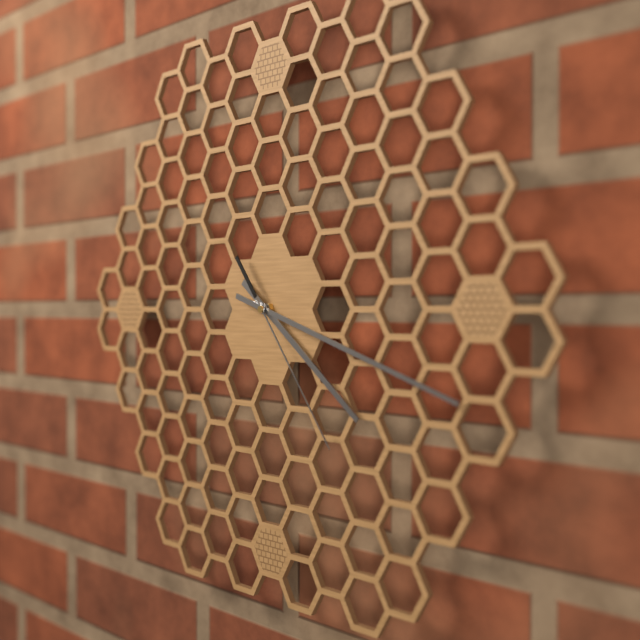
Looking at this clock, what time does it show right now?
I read 4:18:24
